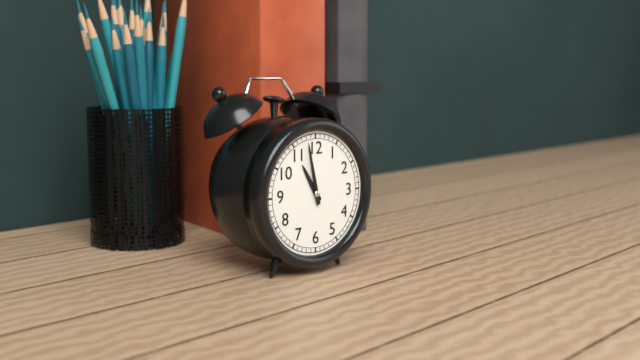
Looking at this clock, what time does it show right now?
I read 10:58
